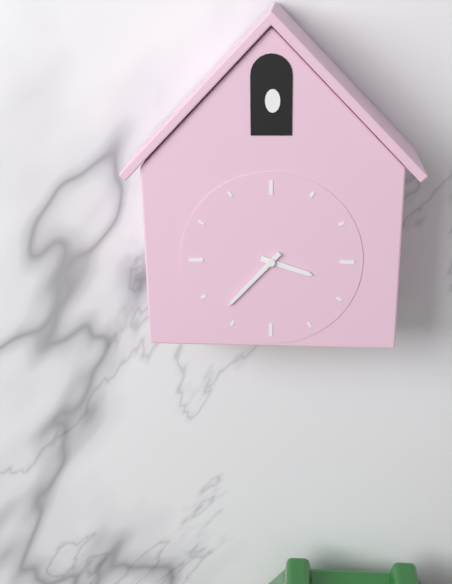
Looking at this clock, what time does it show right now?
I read 3:37
